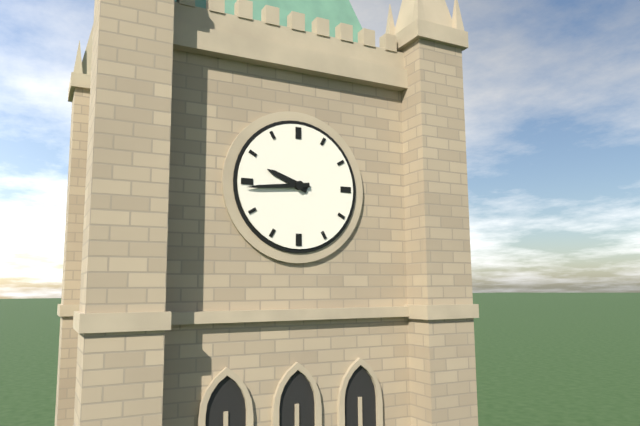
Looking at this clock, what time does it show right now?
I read 9:44
